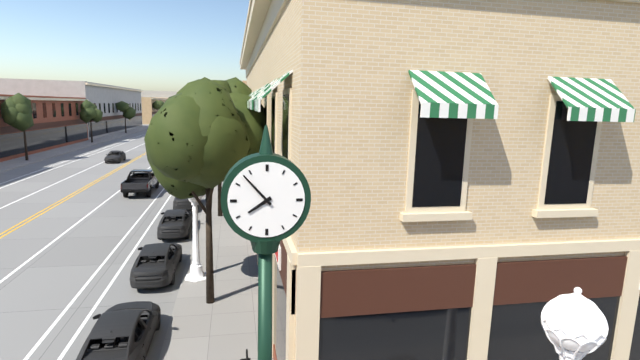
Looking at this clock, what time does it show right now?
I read 7:53
